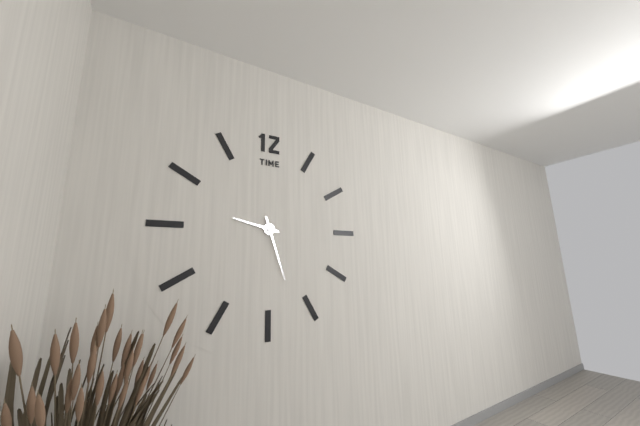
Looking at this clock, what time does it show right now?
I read 9:27
